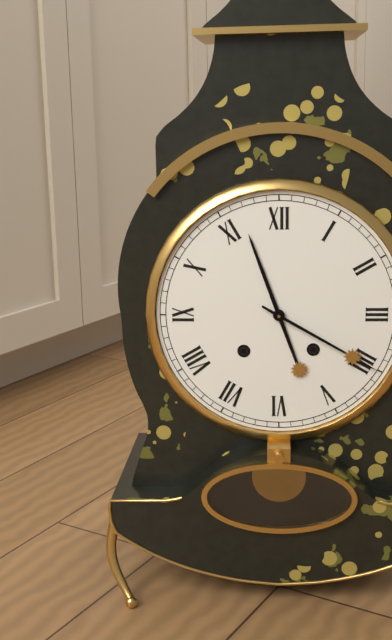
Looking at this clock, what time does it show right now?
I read 11:20
